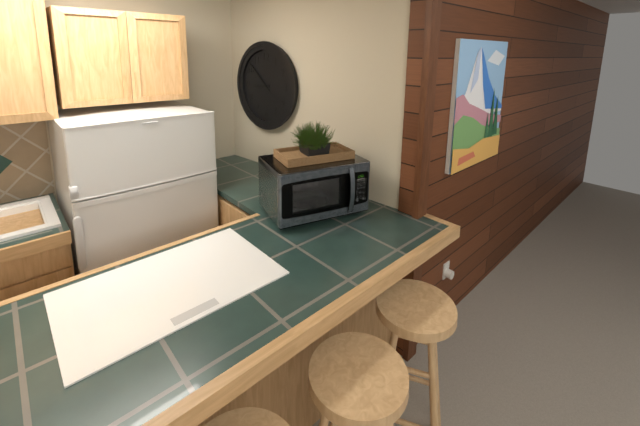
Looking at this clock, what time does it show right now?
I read 8:52
